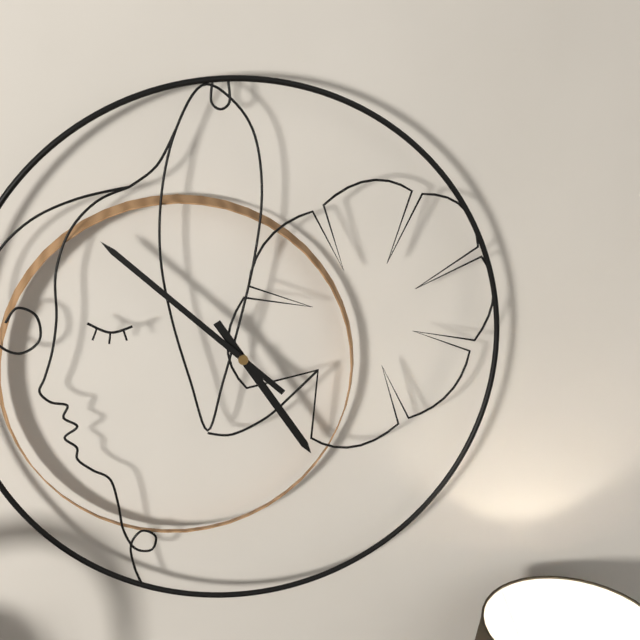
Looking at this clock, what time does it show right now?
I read 4:52
